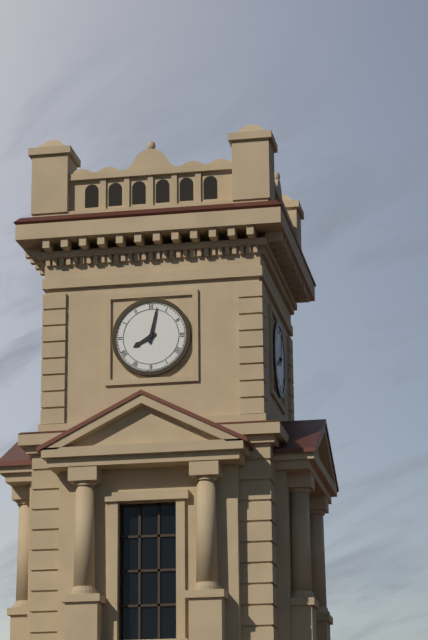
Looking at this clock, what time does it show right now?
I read 8:02
